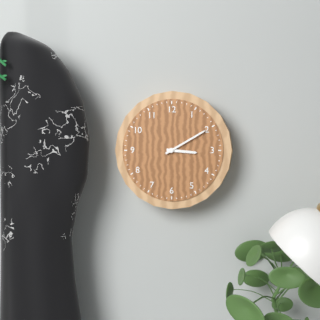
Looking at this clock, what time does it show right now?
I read 3:10
